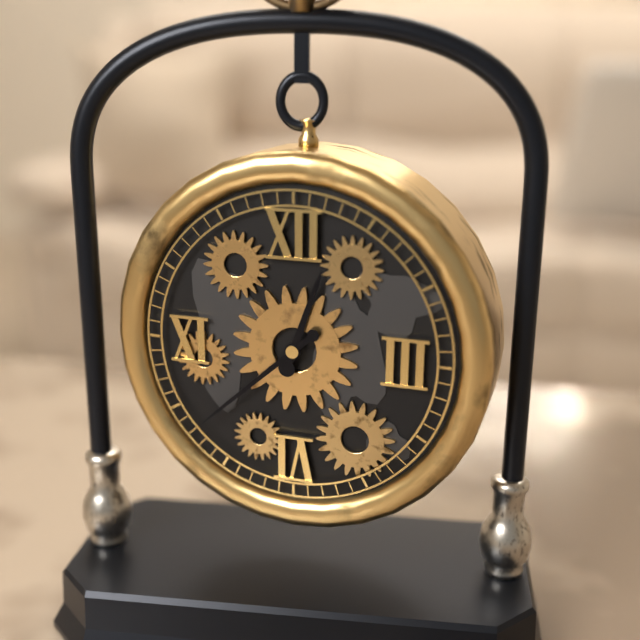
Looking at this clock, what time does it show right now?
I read 12:38
